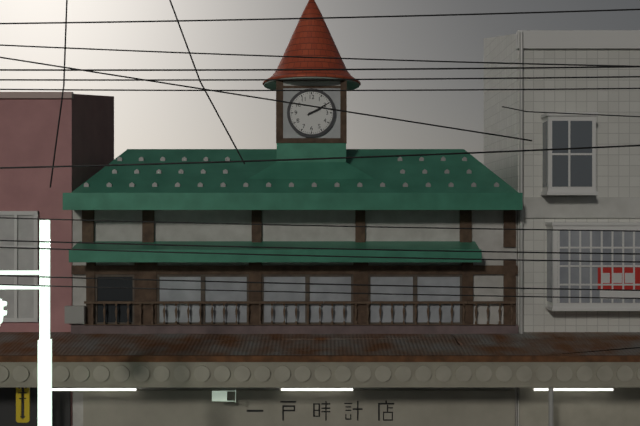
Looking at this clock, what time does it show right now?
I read 2:10
